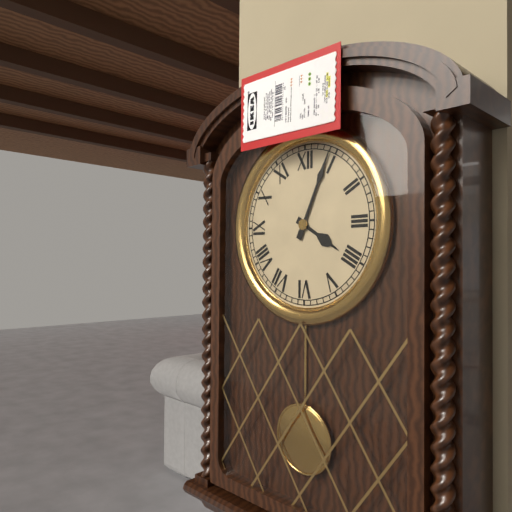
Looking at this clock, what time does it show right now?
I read 4:04
